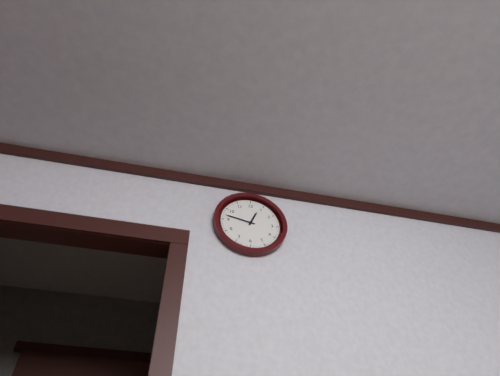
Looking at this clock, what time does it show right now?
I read 12:47
